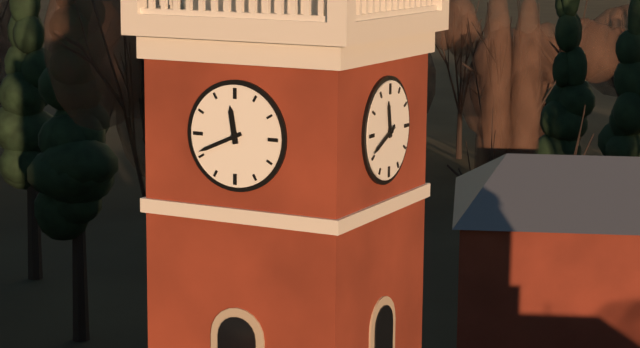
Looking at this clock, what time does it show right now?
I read 11:41
